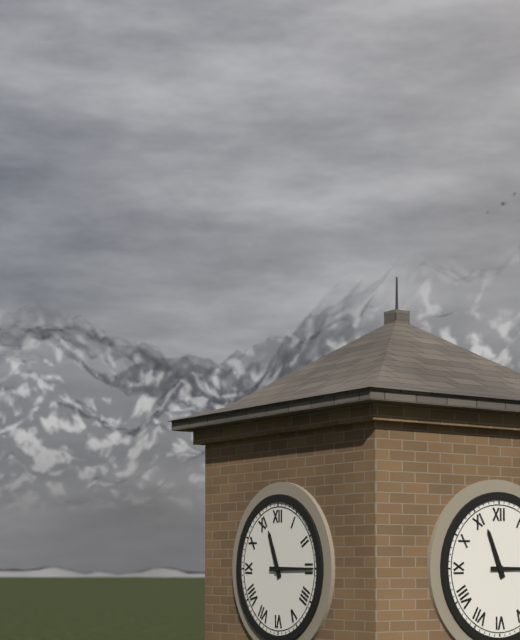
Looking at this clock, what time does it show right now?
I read 11:15
